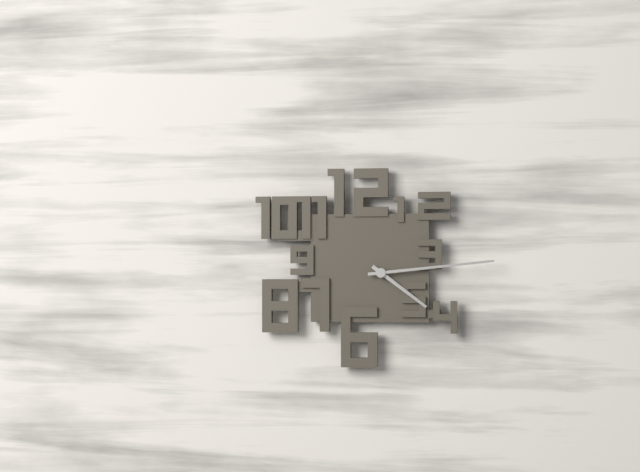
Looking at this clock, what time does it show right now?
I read 4:14
